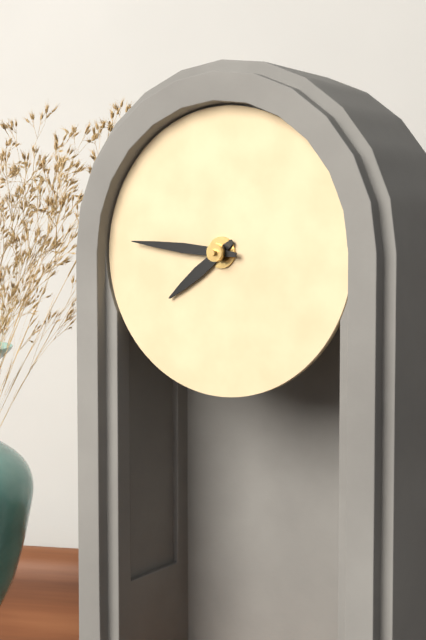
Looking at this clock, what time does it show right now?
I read 7:46
